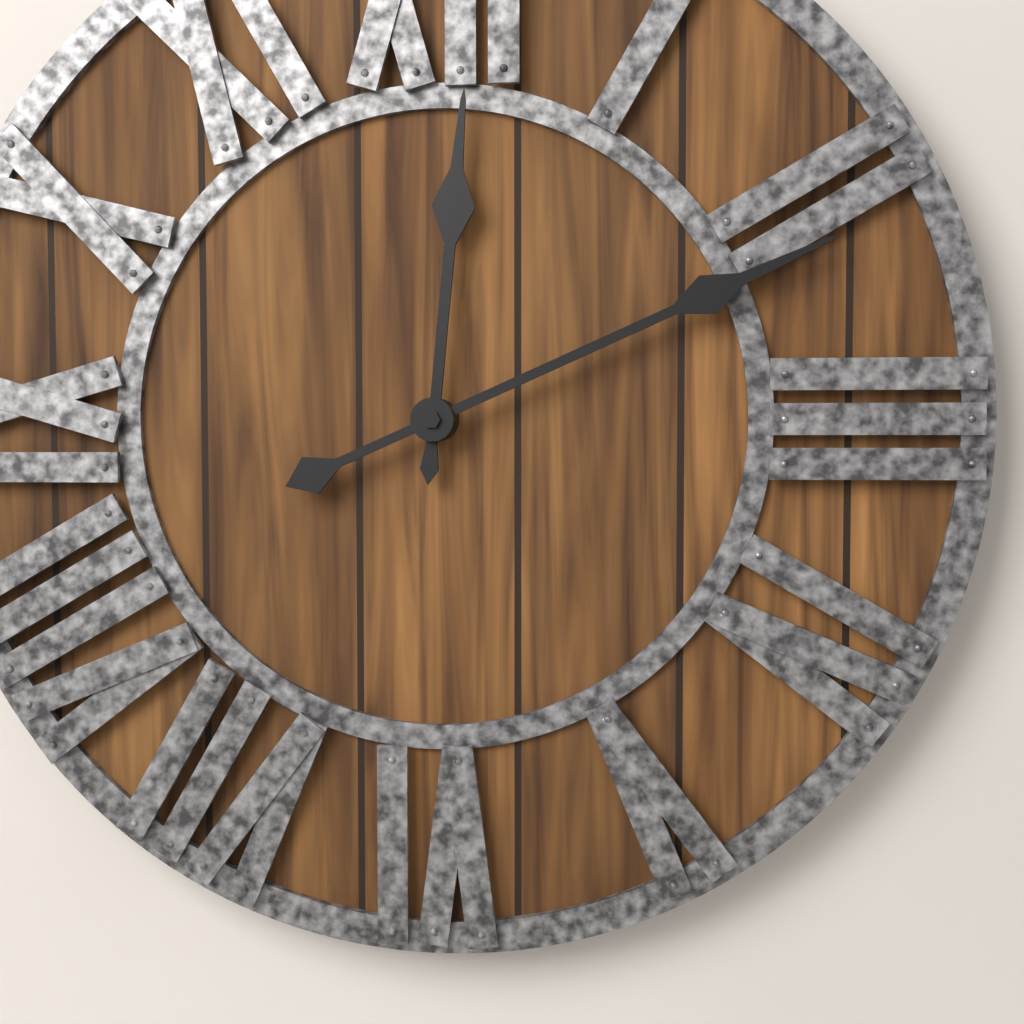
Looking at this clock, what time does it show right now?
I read 12:11
